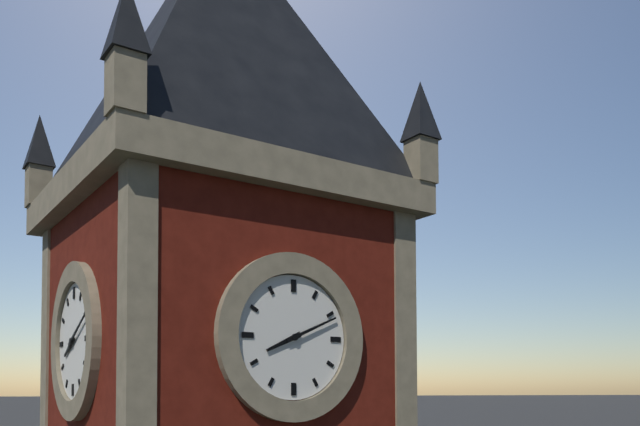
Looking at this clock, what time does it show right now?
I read 8:11
